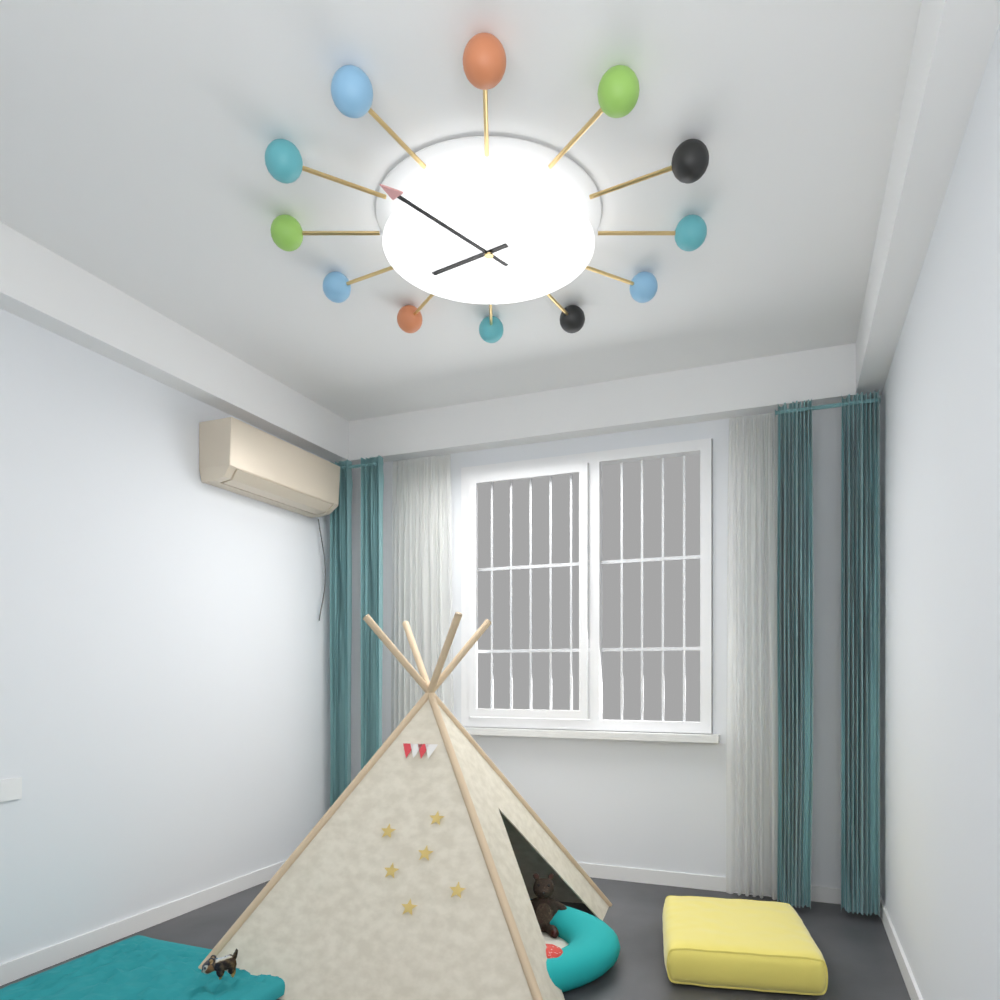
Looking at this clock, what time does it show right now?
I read 7:53
